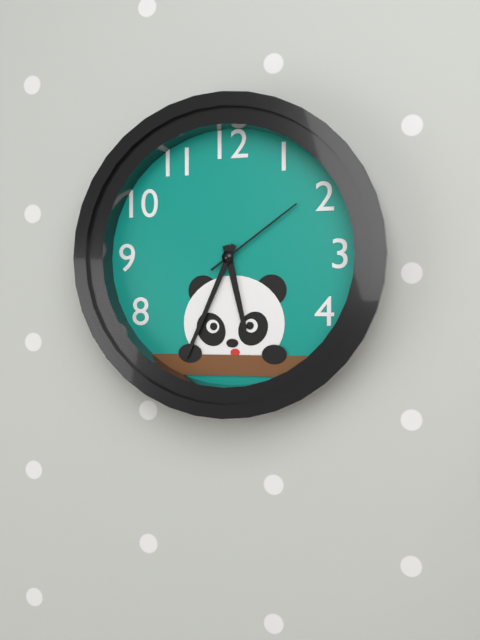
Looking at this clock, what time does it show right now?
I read 5:34:09
